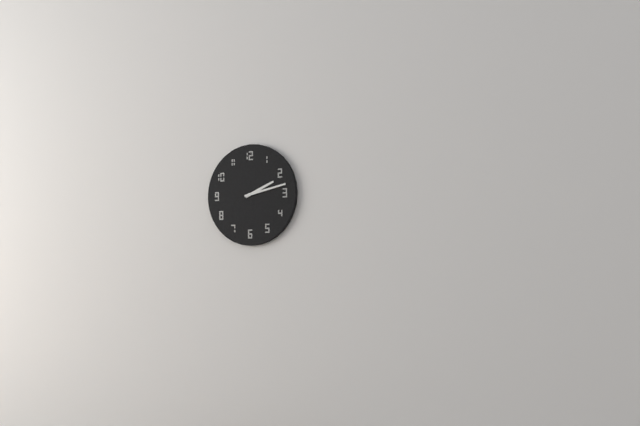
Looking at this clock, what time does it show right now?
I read 2:13
